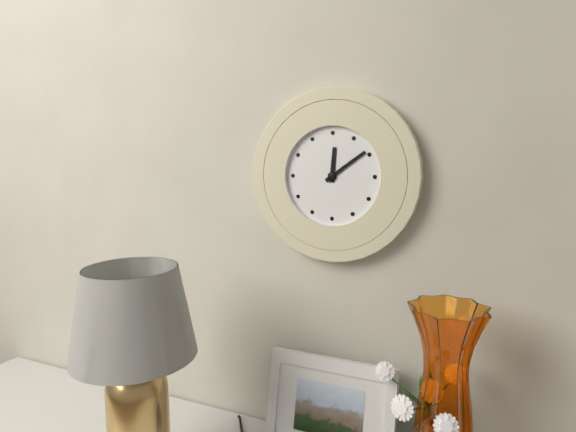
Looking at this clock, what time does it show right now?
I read 12:09
